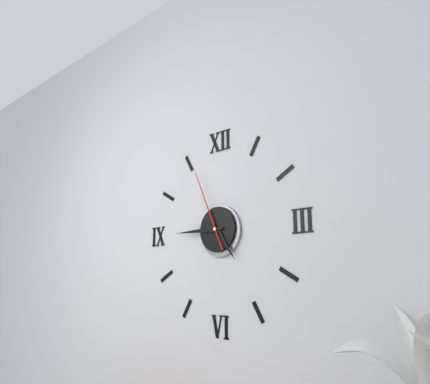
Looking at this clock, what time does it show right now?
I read 4:45:56
